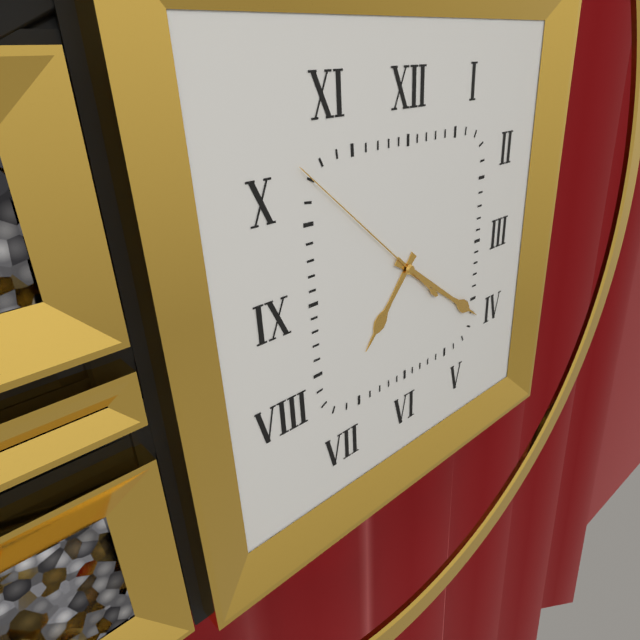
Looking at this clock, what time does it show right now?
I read 7:21:52
